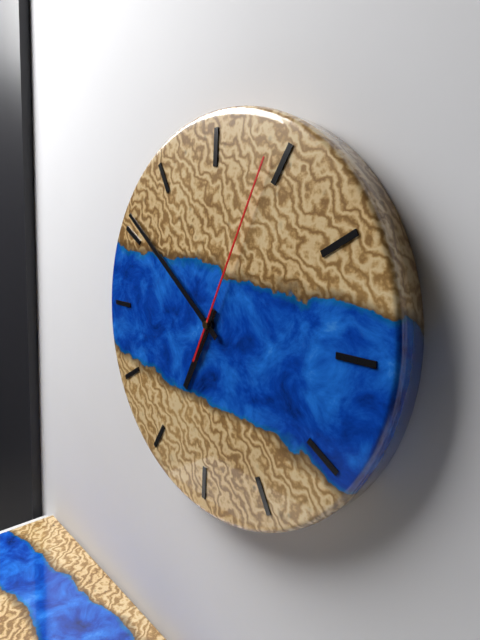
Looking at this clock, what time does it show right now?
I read 6:51:04
